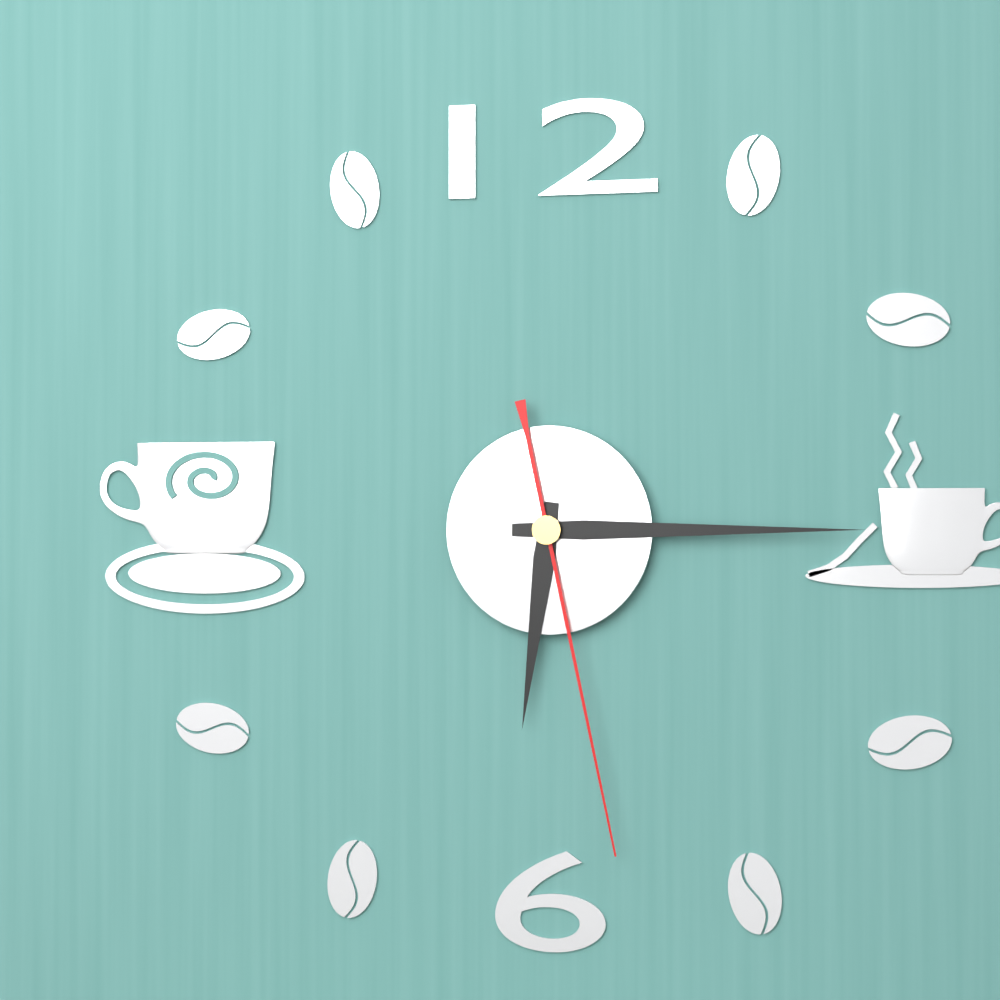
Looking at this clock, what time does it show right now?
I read 6:15:28
